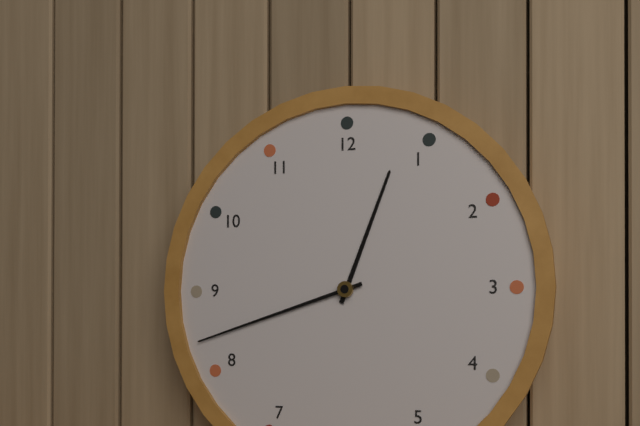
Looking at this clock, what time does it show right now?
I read 12:42
